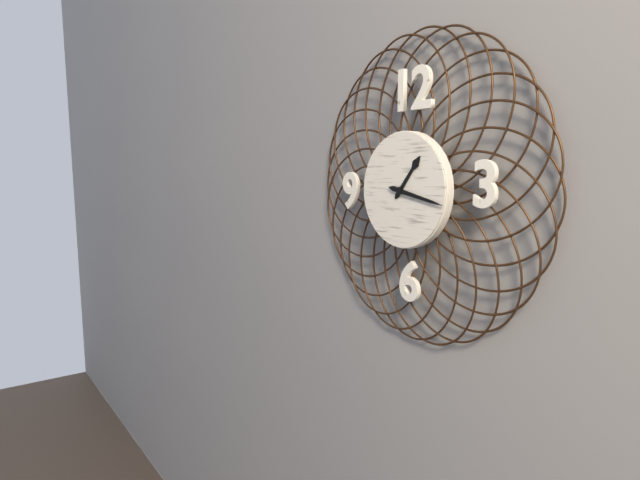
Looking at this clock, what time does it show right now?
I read 1:17
